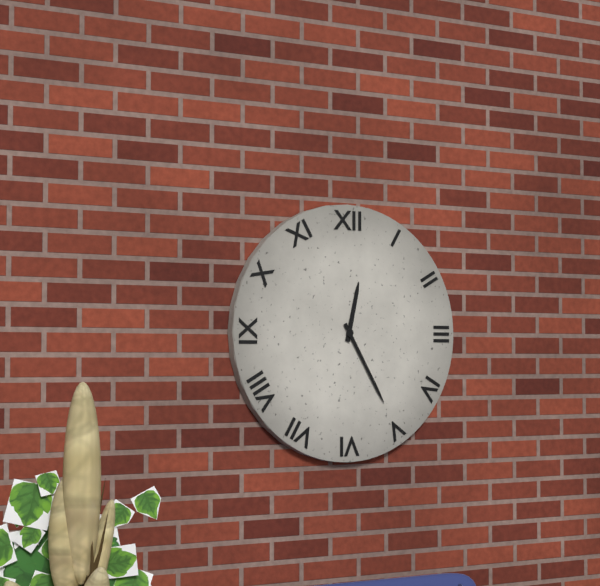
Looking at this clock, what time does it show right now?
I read 12:25
